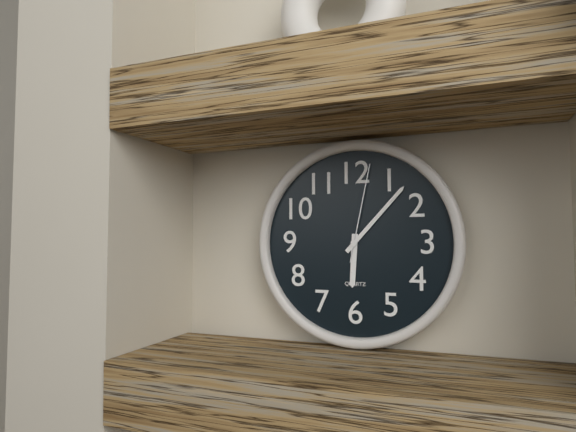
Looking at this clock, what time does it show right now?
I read 6:07:02
